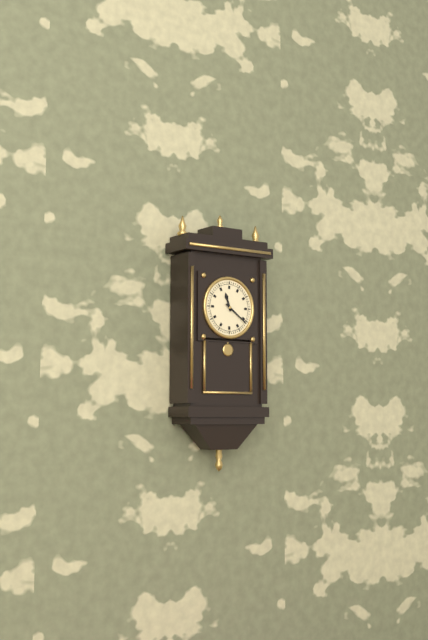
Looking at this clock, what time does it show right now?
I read 11:21
